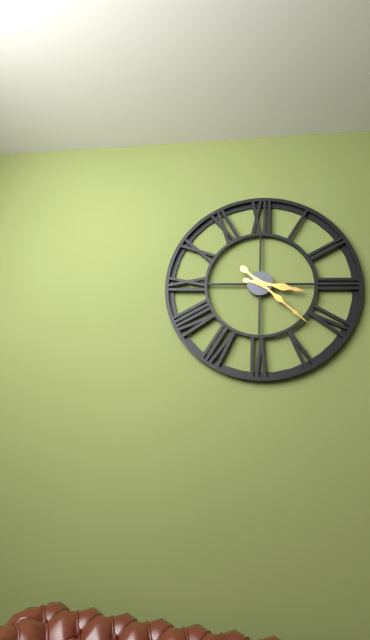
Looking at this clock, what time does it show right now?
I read 3:22
